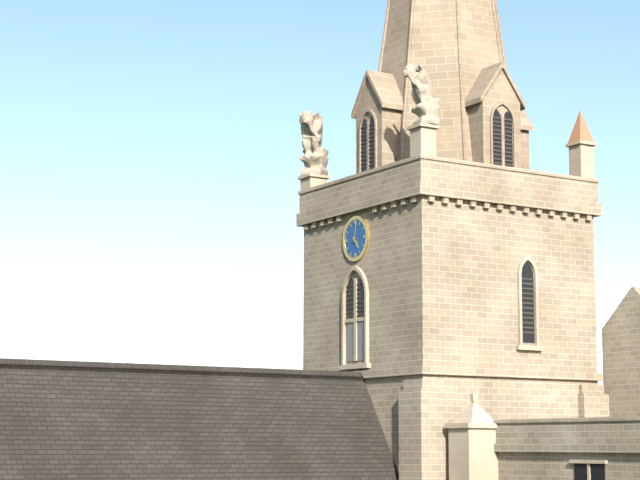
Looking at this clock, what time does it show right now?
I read 5:02
